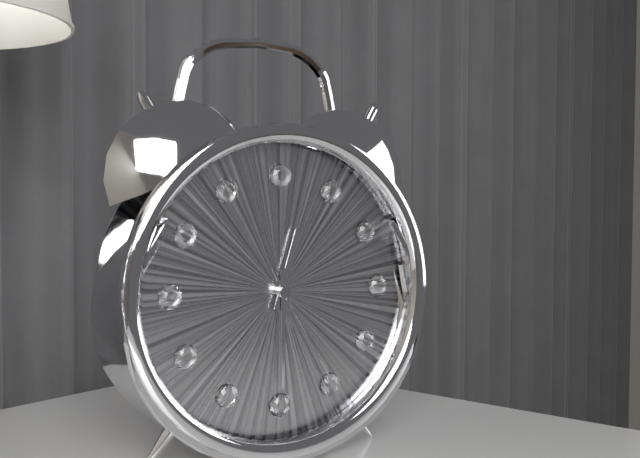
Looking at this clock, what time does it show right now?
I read 12:30:25
